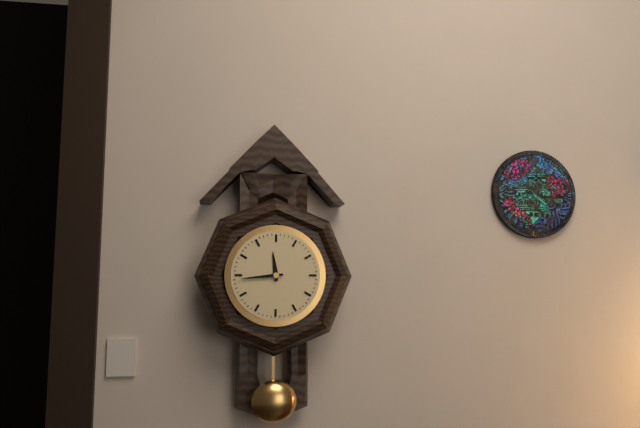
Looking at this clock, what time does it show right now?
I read 11:44
